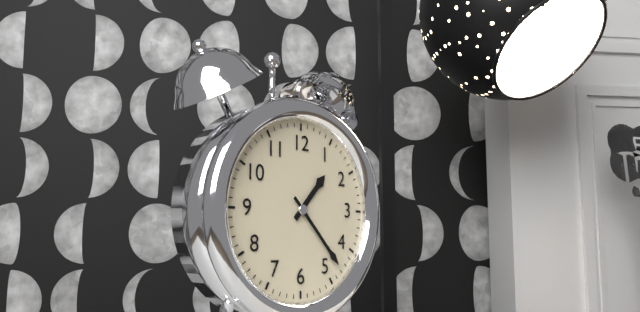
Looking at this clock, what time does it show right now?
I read 1:23
